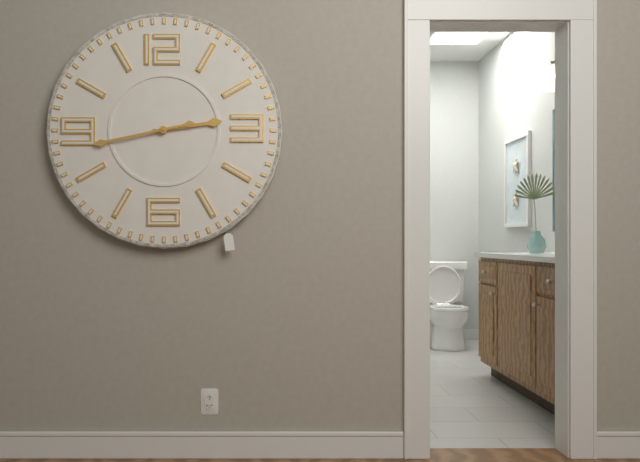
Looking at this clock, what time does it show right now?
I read 2:43
